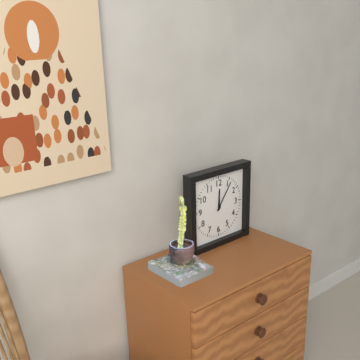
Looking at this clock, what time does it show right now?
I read 12:06
